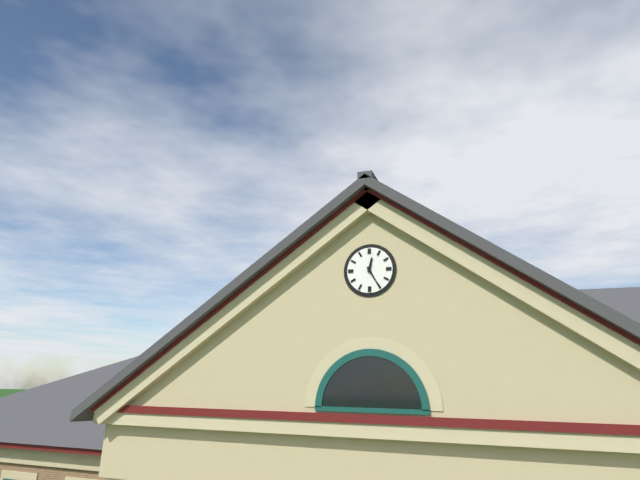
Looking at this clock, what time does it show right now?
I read 12:25
